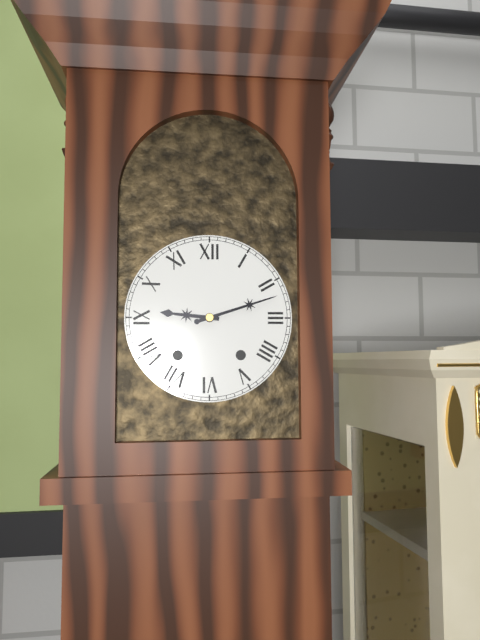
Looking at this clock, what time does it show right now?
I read 9:12
